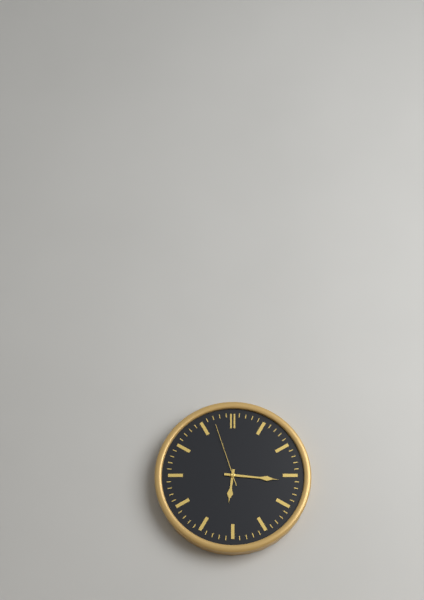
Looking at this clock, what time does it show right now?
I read 6:16:57
